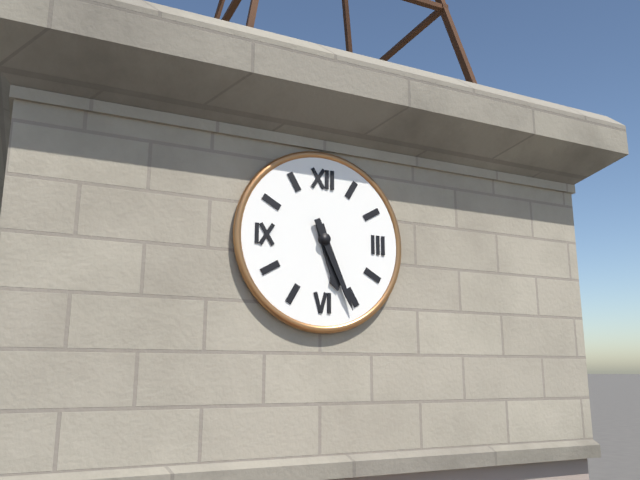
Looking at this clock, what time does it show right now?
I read 5:26
